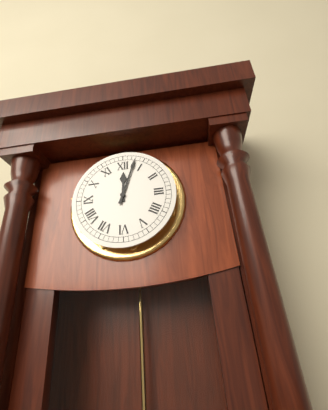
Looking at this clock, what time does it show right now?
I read 12:03
